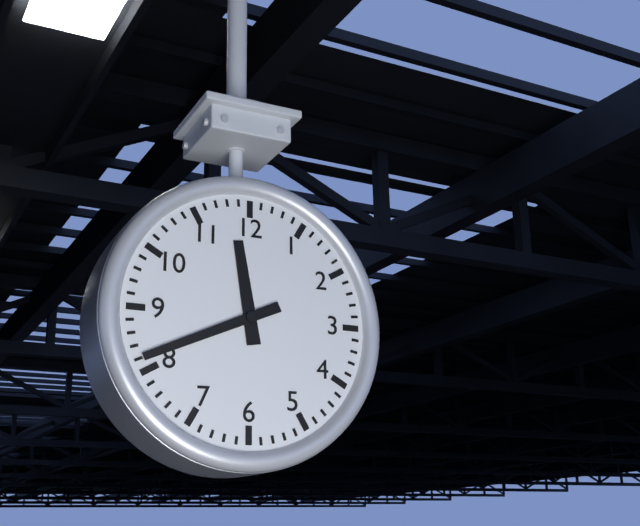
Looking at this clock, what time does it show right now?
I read 11:41
